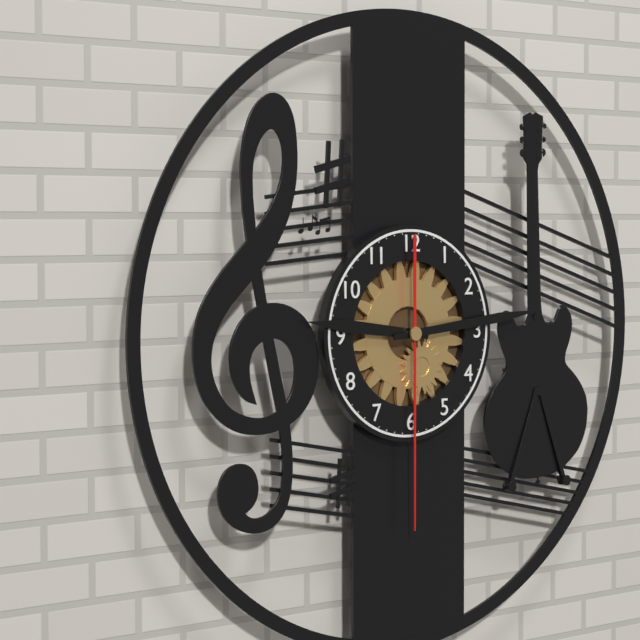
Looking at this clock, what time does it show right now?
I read 9:14:30
